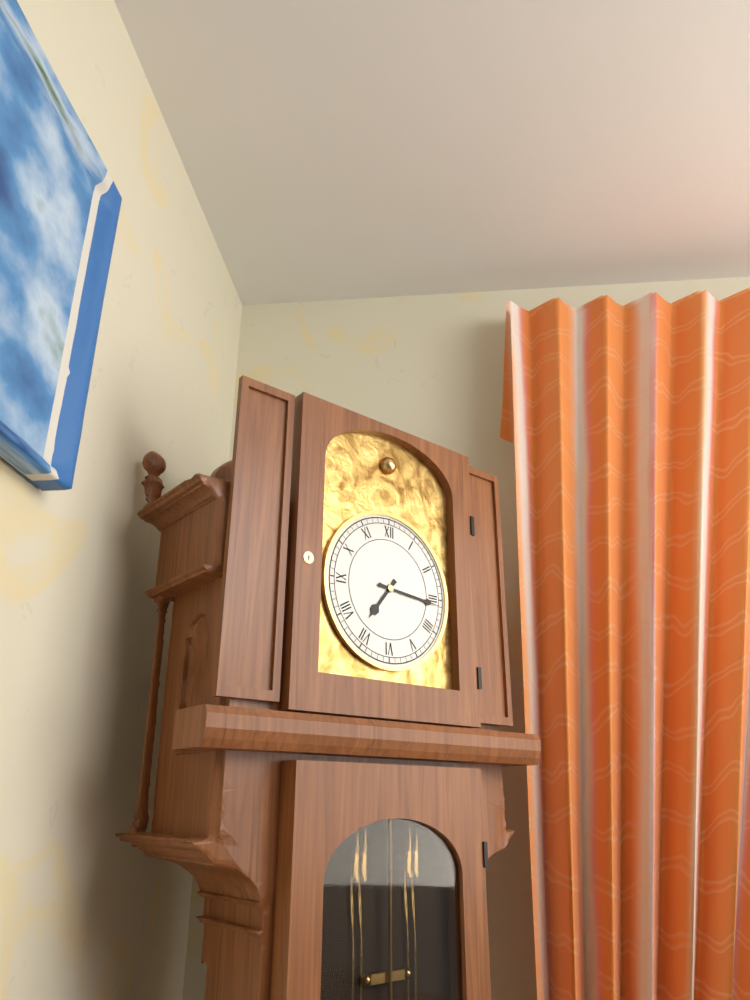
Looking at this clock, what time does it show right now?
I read 7:16
